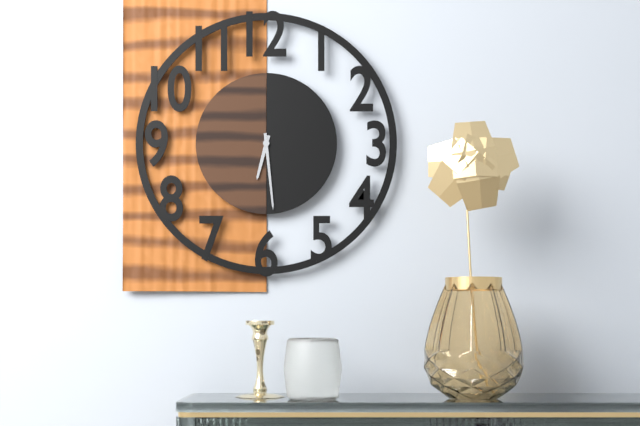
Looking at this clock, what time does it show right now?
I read 6:29
